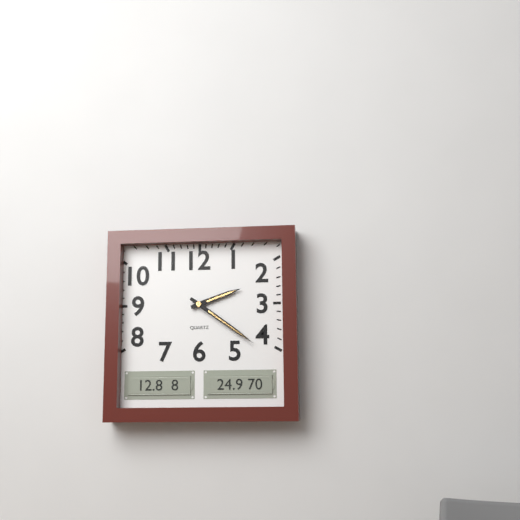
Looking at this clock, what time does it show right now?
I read 2:21
